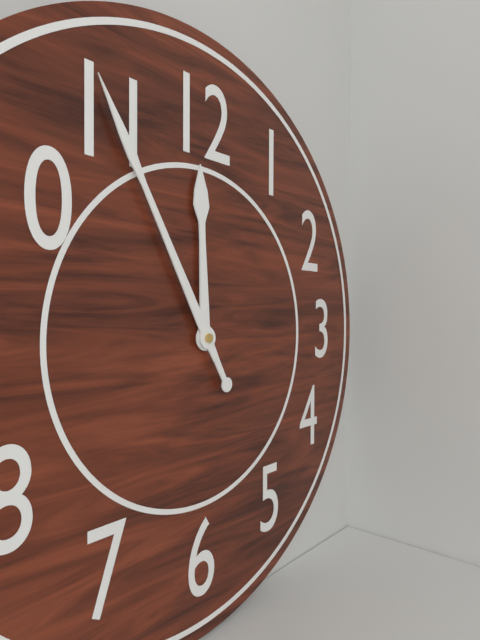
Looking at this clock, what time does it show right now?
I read 11:55
